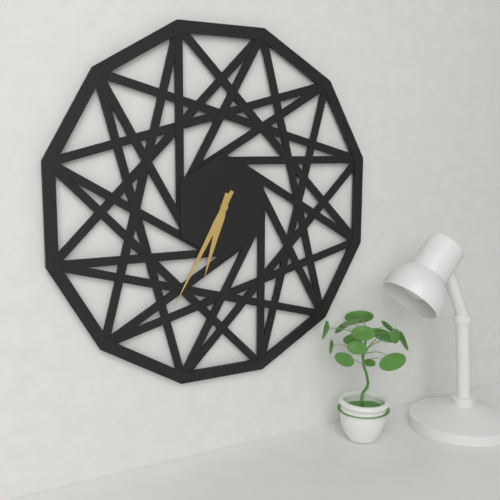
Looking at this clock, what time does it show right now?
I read 6:35
